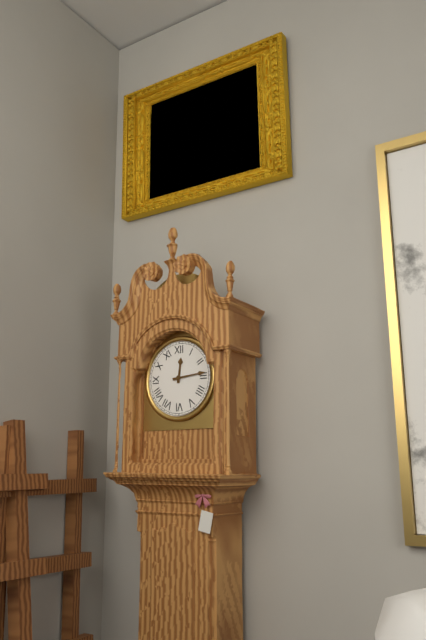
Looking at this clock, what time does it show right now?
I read 12:14
